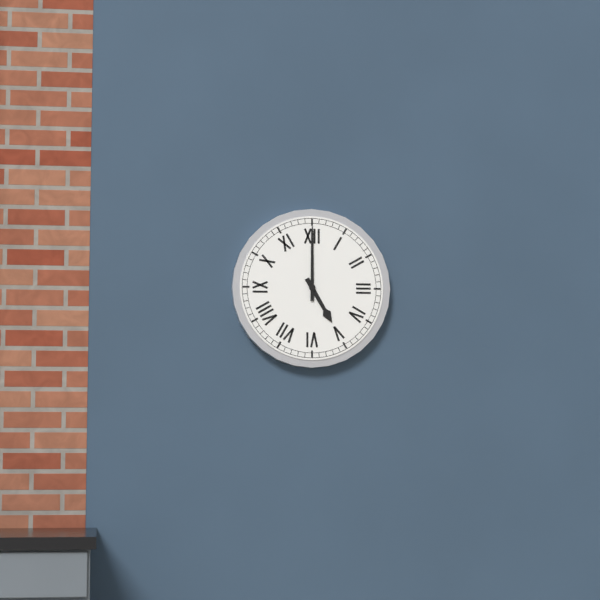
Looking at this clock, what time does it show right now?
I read 5:00
